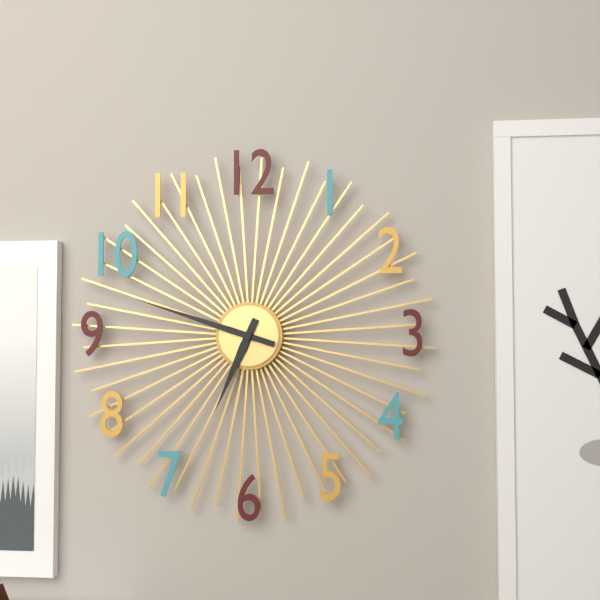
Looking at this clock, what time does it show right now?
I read 6:48
